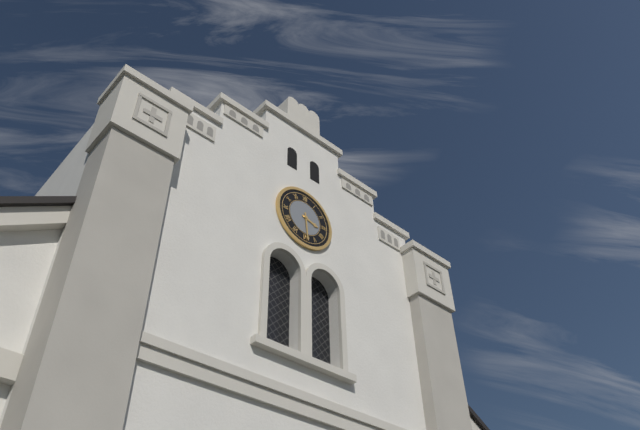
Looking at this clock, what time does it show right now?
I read 3:29
